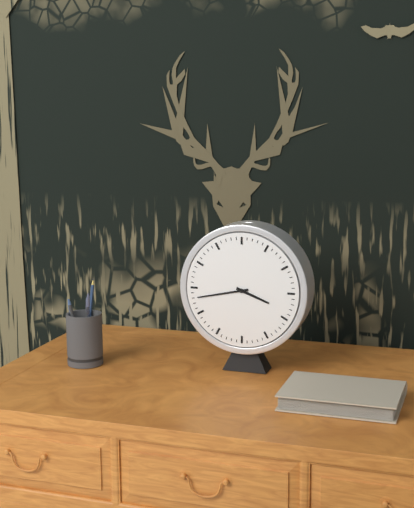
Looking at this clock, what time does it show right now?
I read 3:43
